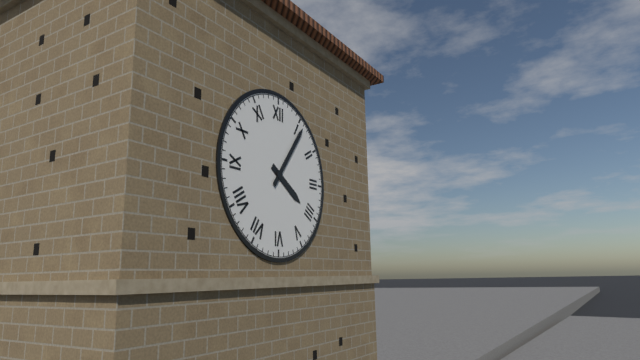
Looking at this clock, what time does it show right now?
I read 4:06
